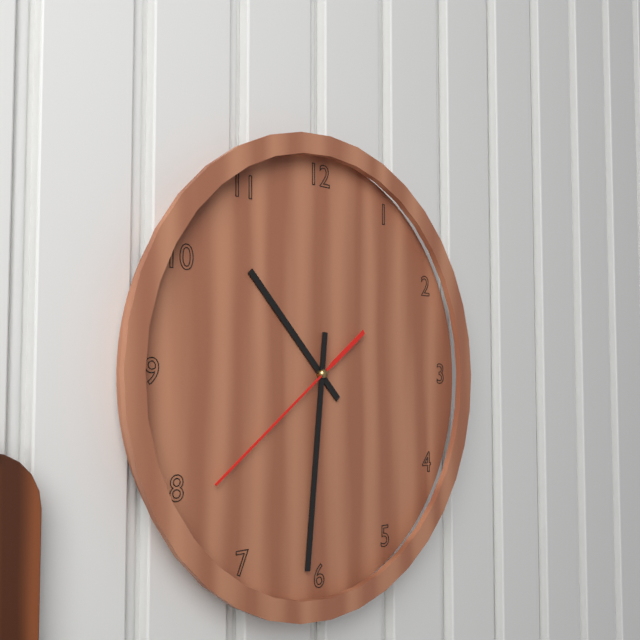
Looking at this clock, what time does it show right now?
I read 10:31:39
